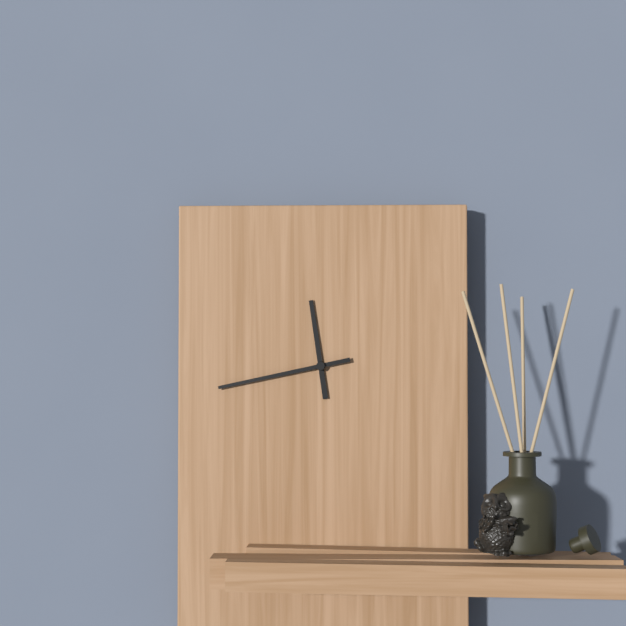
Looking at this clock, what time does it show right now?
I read 11:43
